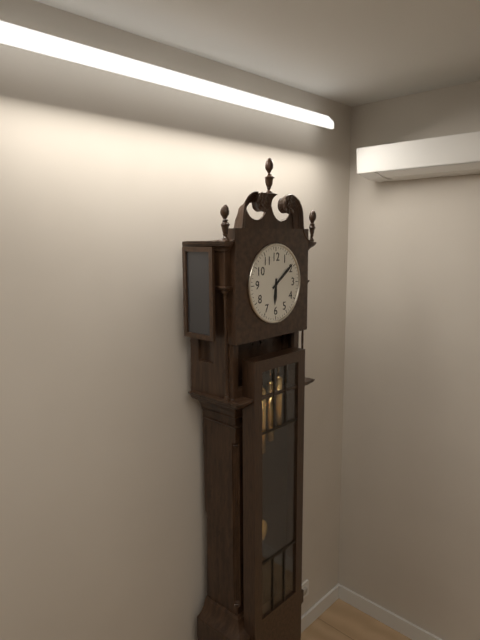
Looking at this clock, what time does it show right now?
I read 6:09
